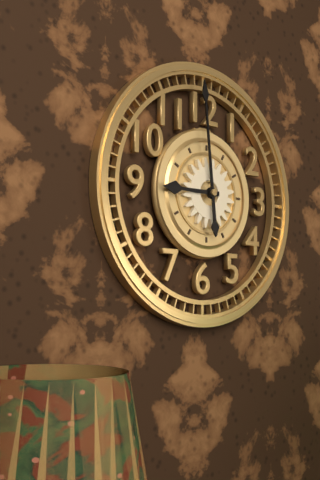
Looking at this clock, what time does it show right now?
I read 8:59
